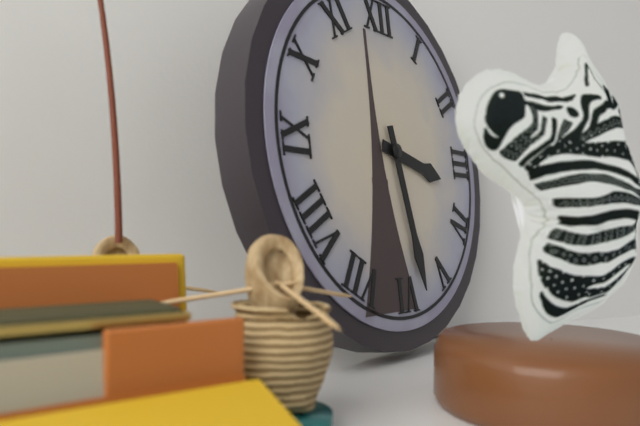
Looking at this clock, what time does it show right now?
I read 3:28
